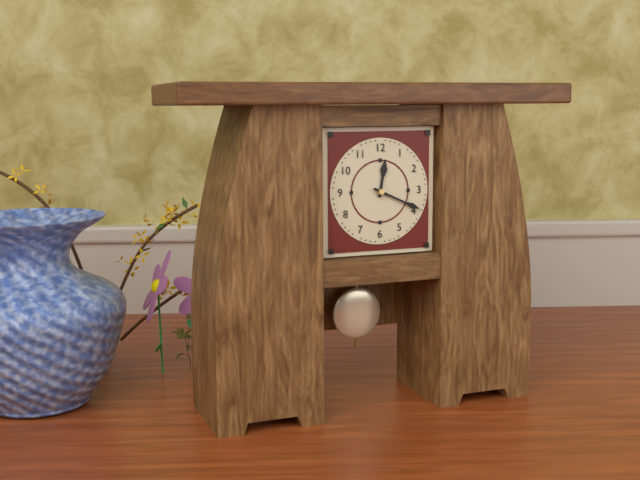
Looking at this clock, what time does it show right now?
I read 12:19
